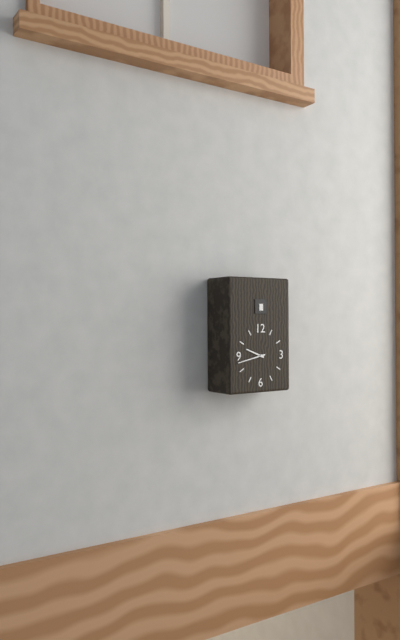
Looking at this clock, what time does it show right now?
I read 9:43
